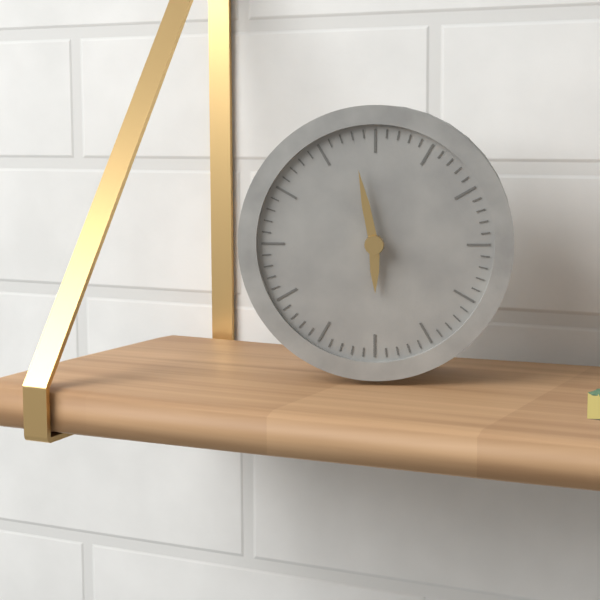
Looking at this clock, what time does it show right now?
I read 5:58
